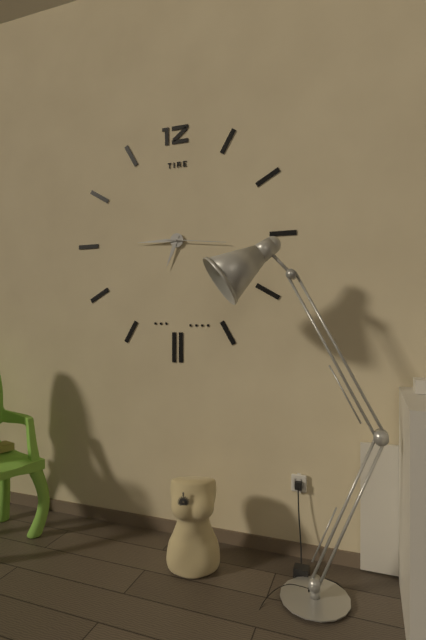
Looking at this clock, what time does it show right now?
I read 6:45:16
